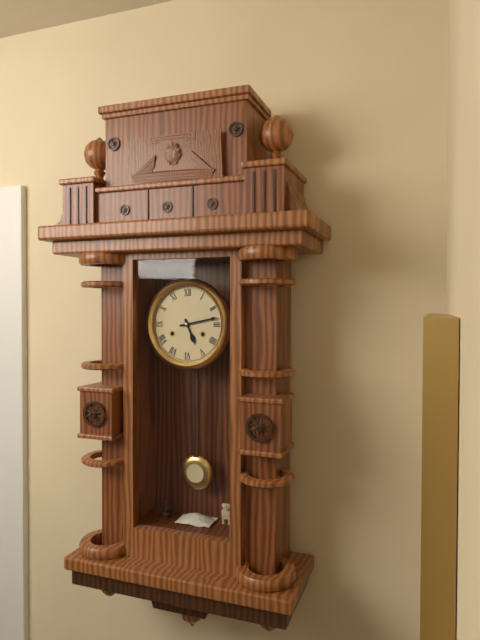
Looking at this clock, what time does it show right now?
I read 5:13
